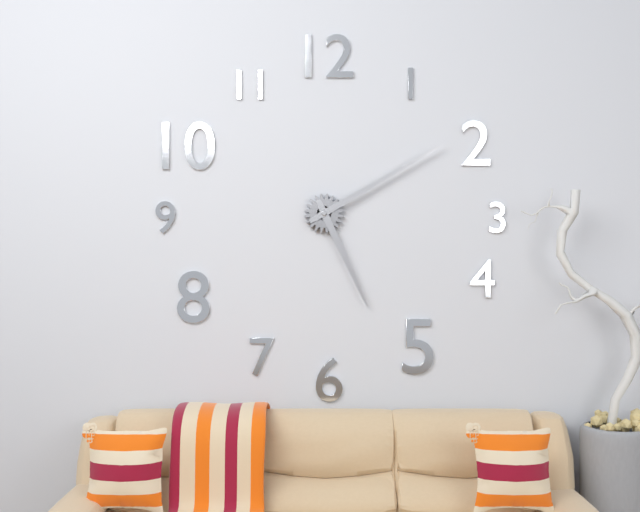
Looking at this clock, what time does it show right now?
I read 5:10
